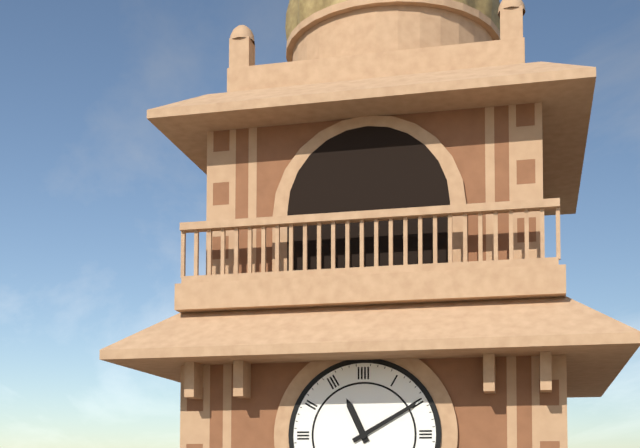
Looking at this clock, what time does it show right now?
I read 11:10
